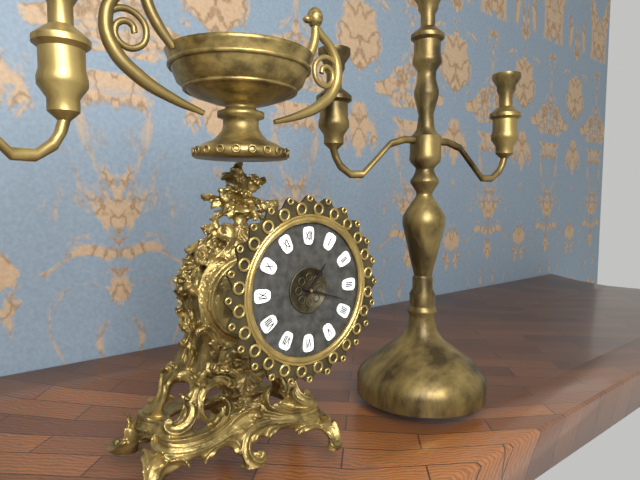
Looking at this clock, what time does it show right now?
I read 1:18
